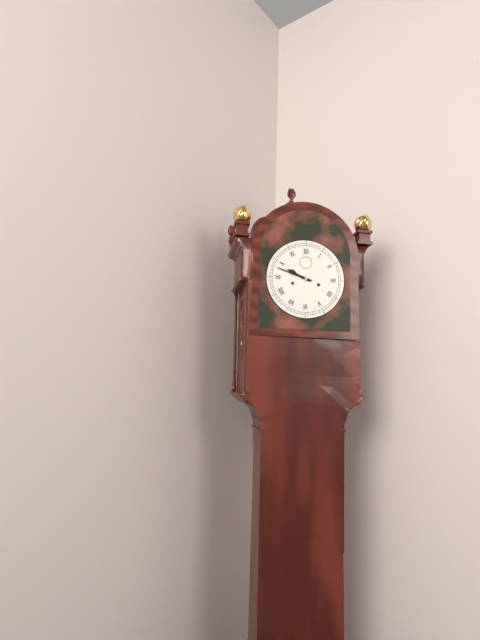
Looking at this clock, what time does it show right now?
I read 9:48
